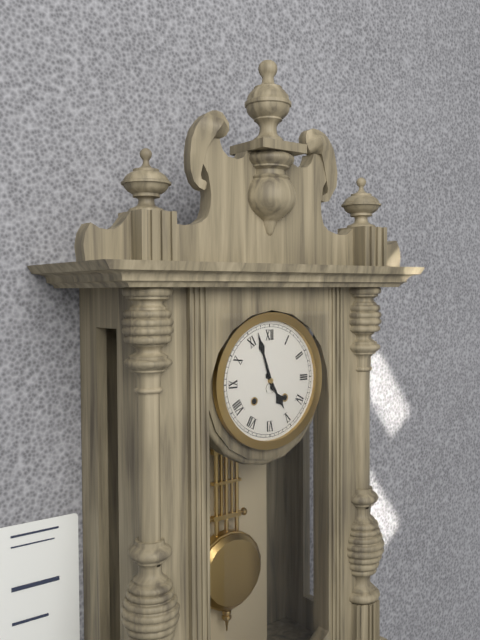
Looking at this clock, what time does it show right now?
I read 4:57
